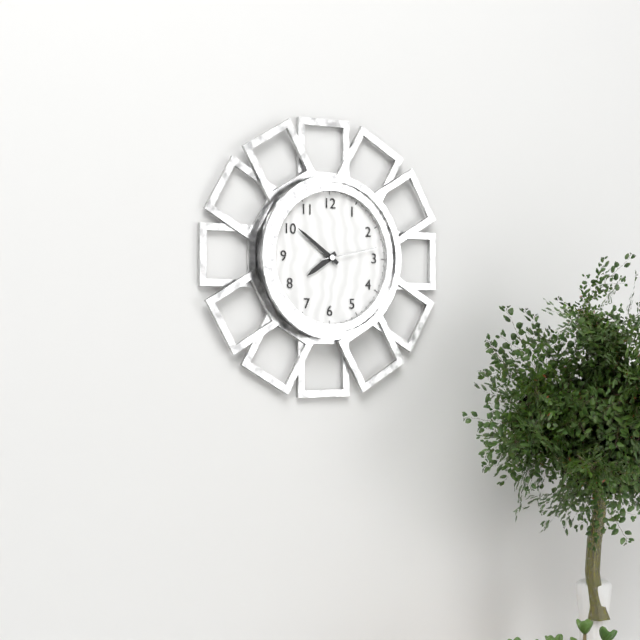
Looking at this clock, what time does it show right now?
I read 7:51:13
